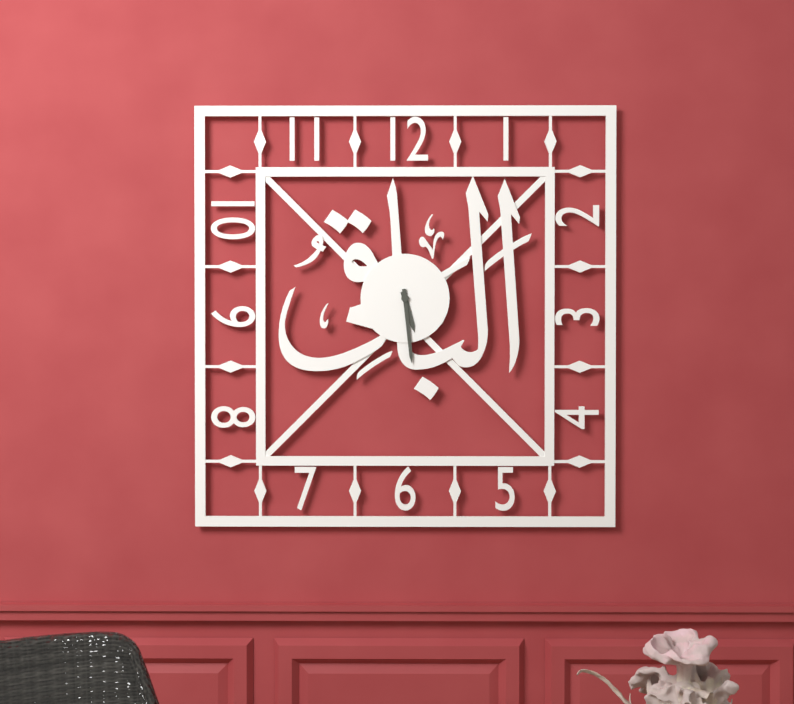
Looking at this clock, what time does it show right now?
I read 5:29
